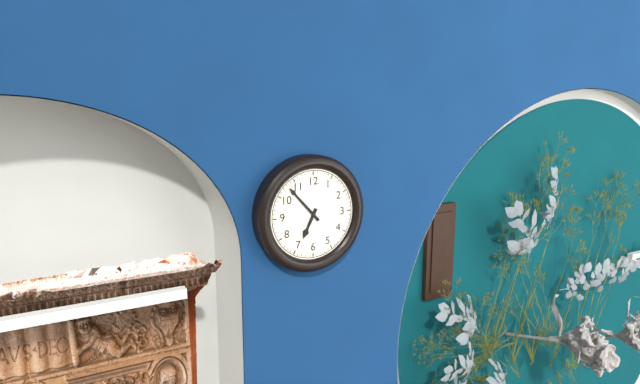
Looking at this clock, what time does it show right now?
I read 6:53
